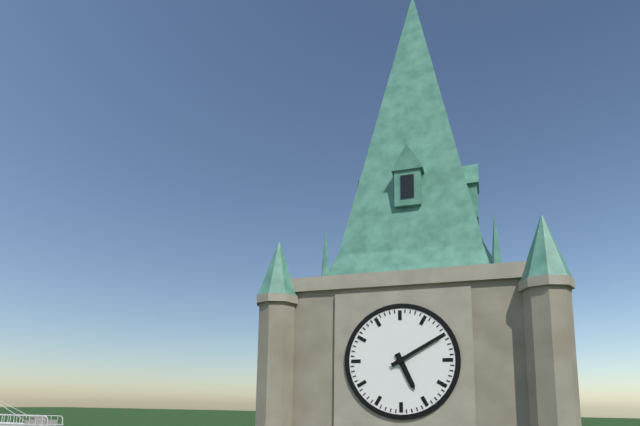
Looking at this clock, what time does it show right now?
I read 5:10
